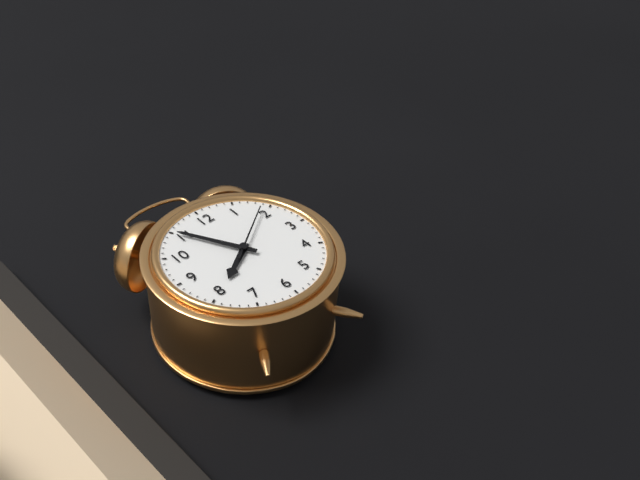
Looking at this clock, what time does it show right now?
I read 7:55:09
